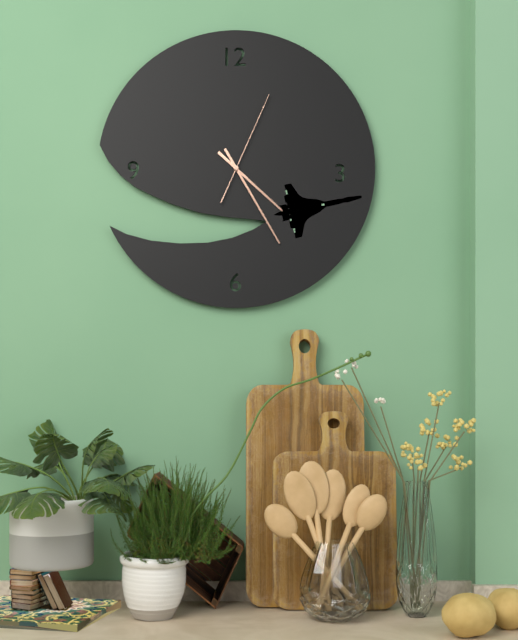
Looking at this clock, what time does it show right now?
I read 4:25:04
